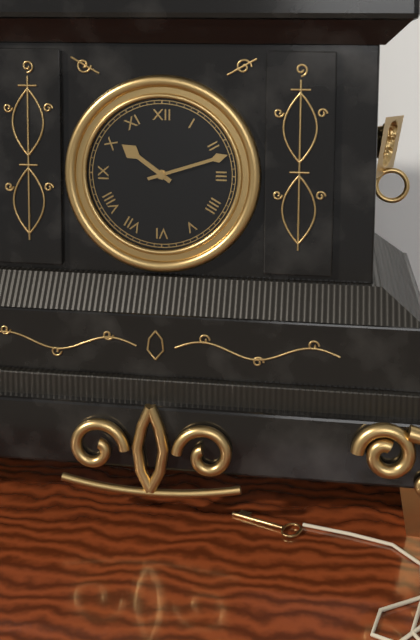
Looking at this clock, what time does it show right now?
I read 10:12
